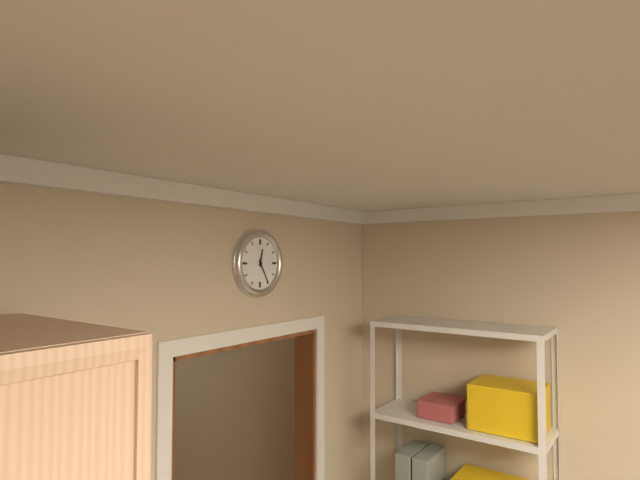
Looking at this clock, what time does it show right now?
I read 12:25
